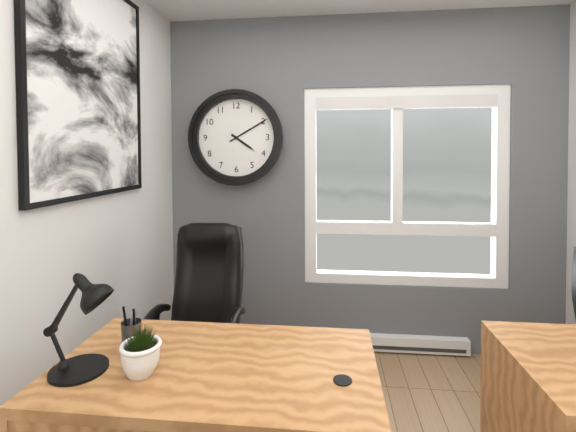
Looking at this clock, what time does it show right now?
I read 4:10
